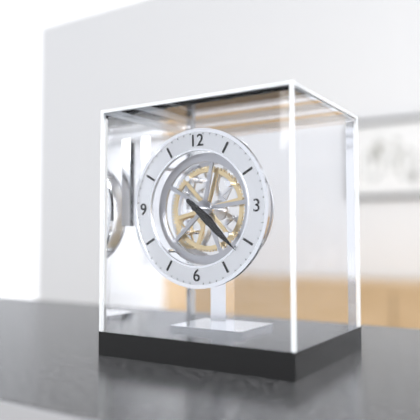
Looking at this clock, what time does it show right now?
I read 4:22
